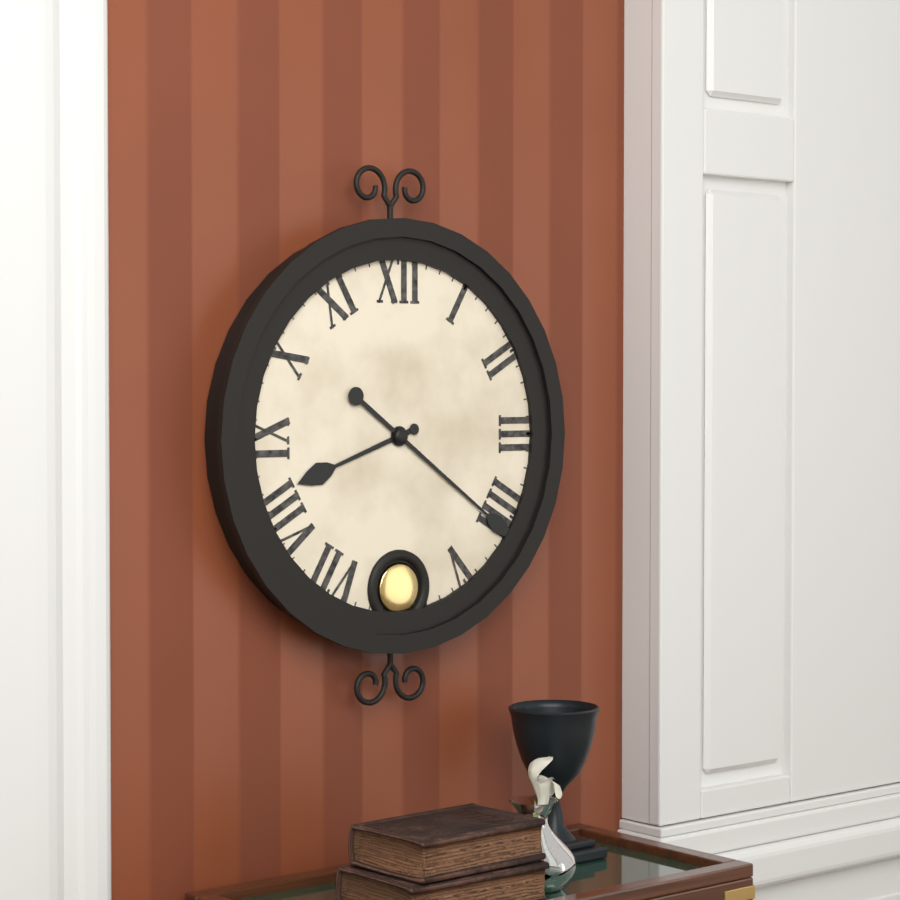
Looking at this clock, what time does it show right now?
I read 8:21
